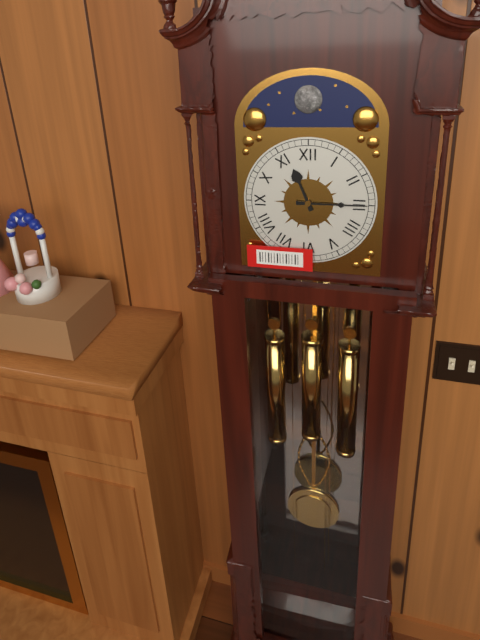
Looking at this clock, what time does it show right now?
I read 11:15
